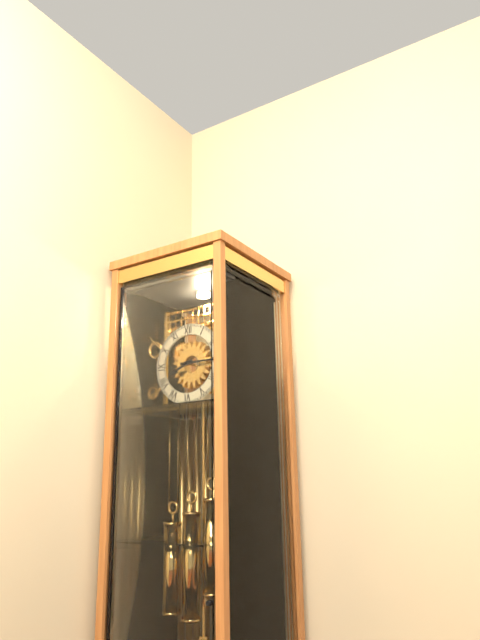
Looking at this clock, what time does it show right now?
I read 8:15
